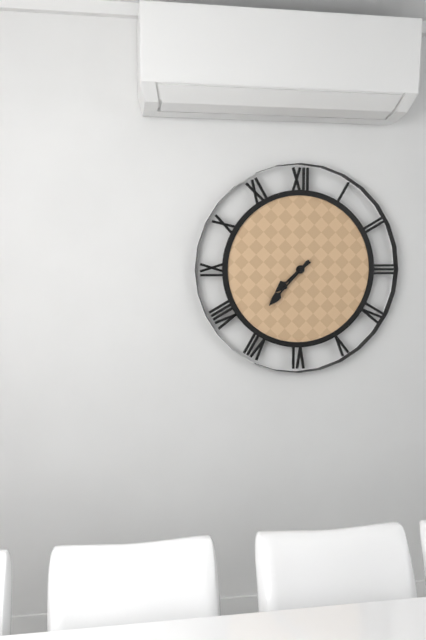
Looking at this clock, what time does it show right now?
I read 7:37
